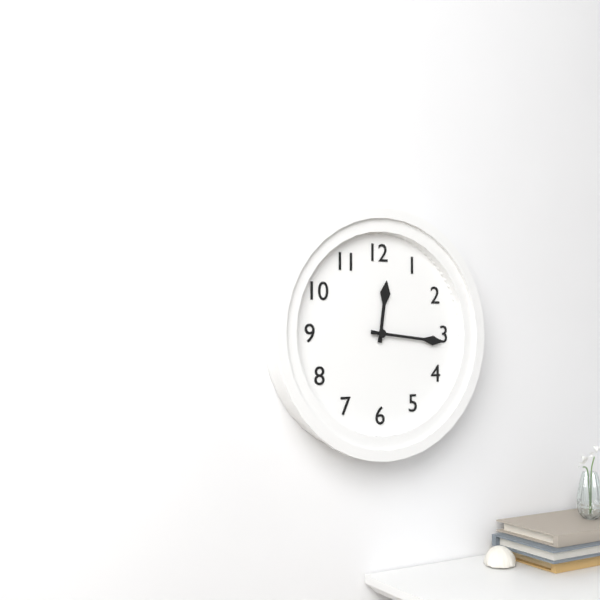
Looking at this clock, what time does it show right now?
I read 12:16
